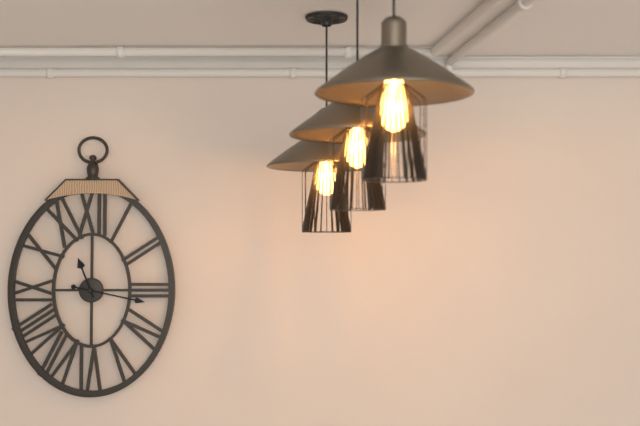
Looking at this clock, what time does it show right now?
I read 11:17
